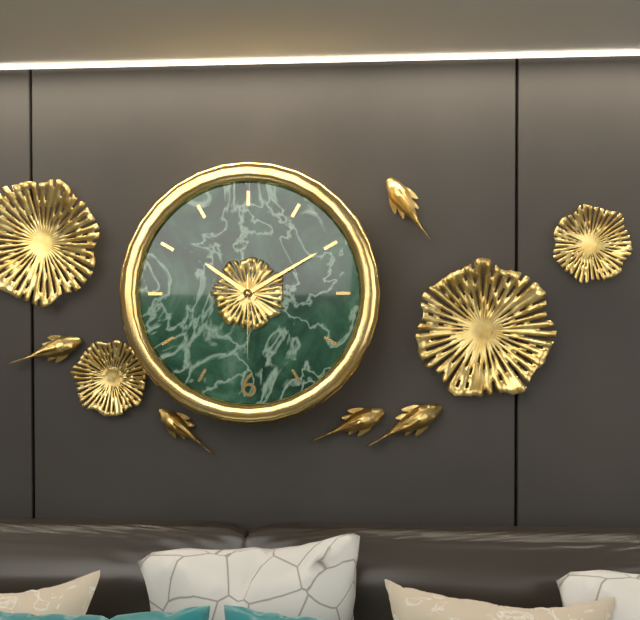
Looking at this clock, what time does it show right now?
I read 10:10:30
